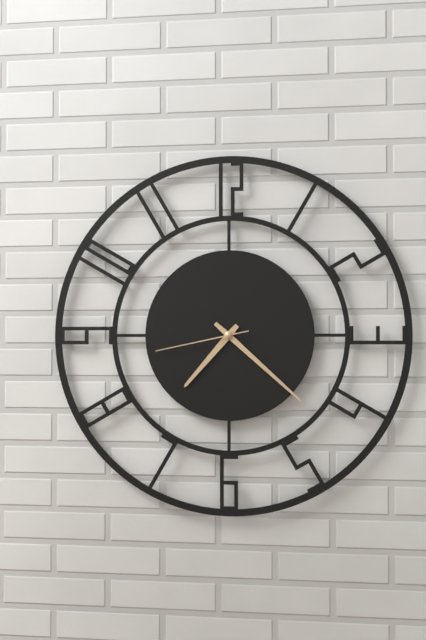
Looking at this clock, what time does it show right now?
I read 7:22:43
